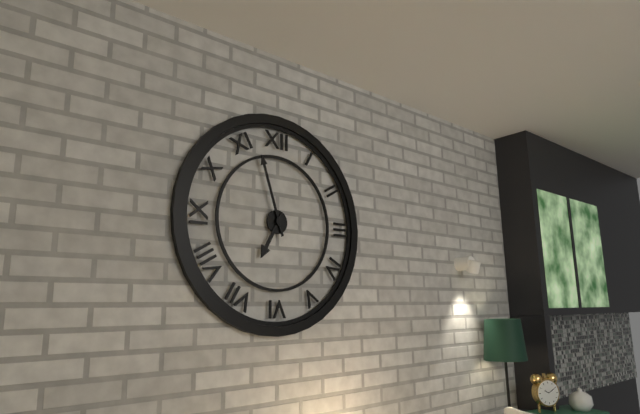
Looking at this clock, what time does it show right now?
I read 6:57
